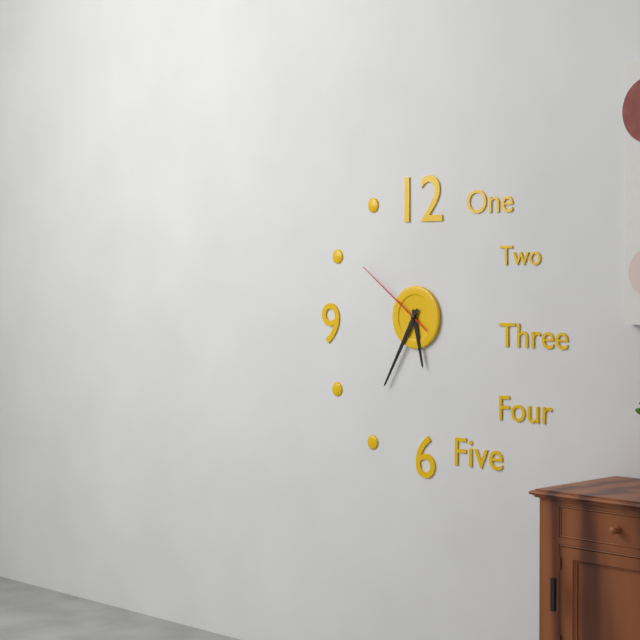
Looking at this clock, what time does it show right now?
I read 5:35:51
